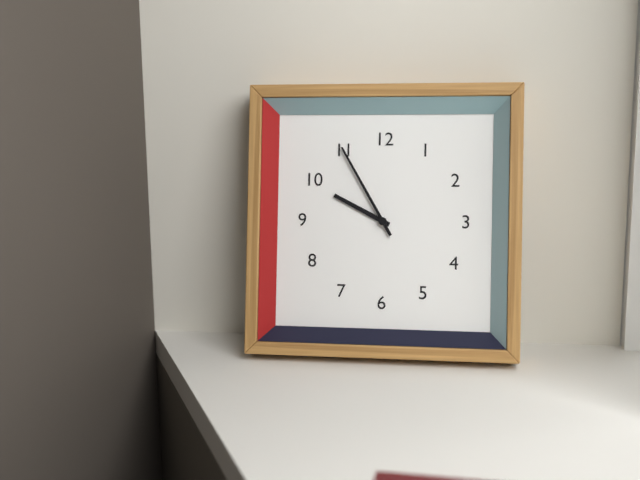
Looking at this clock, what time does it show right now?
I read 9:55
